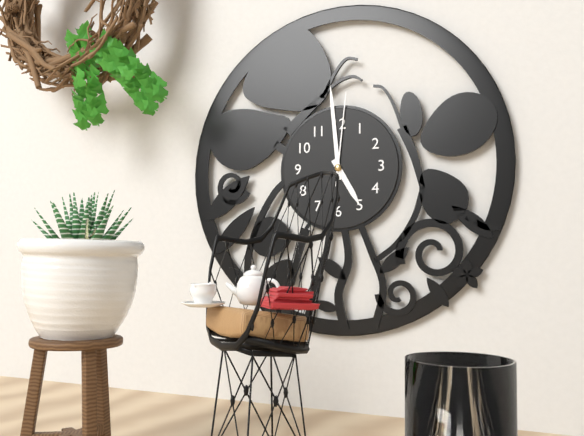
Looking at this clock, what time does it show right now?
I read 4:59:01
